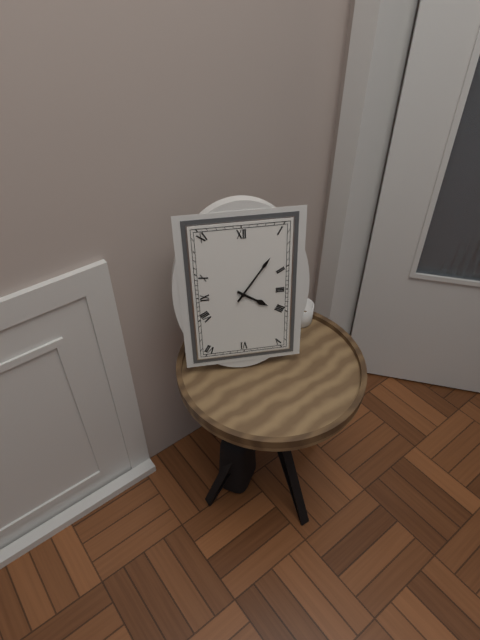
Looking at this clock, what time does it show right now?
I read 4:06
